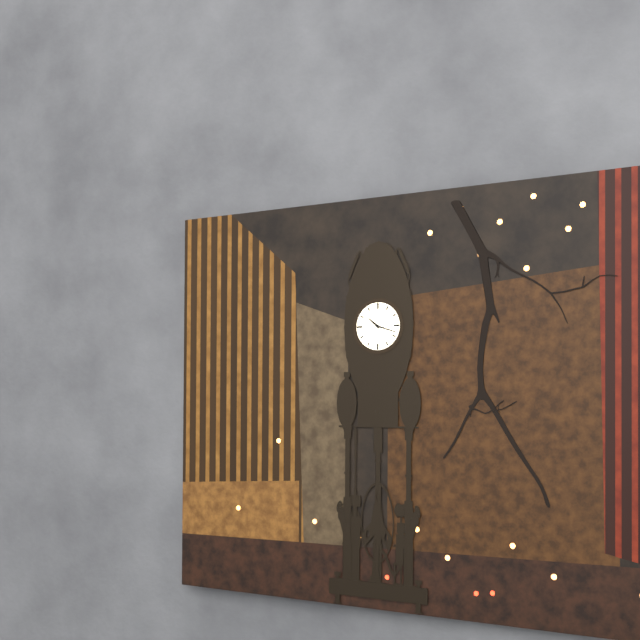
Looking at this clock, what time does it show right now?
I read 10:18
